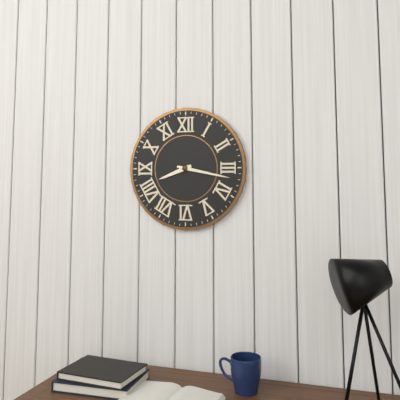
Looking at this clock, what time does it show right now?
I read 8:17
